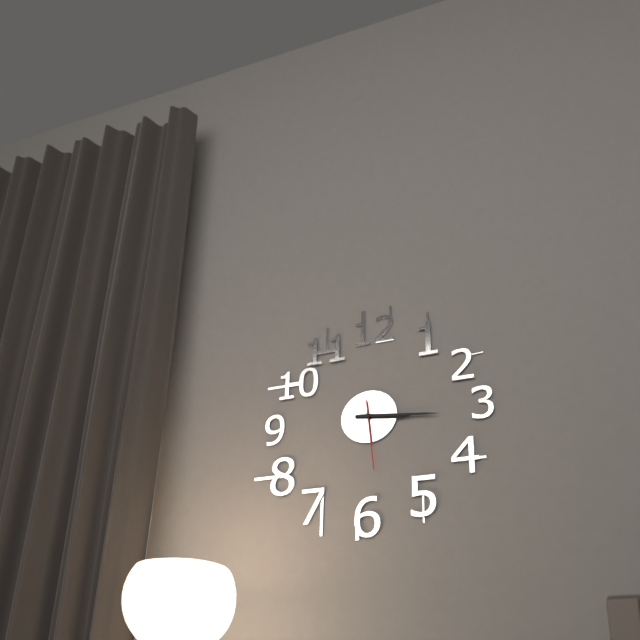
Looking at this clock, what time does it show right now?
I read 3:16:29
